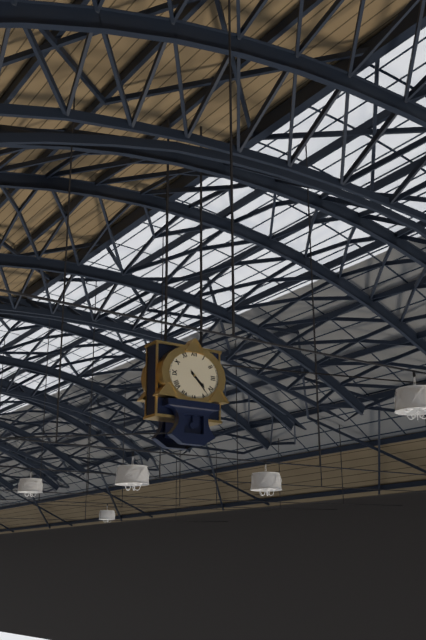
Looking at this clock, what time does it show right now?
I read 4:23
